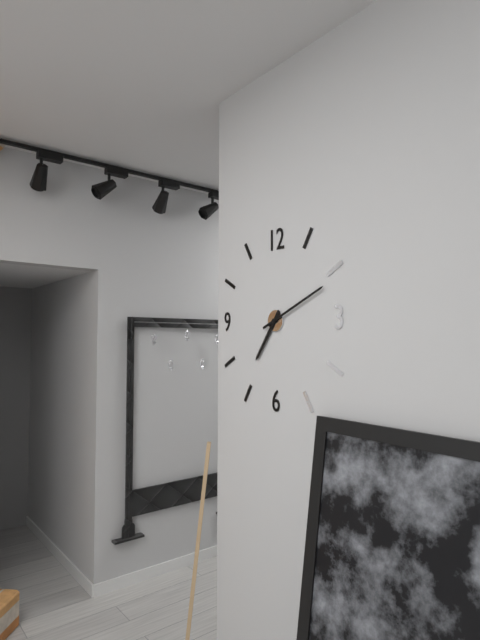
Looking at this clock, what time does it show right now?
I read 7:11
